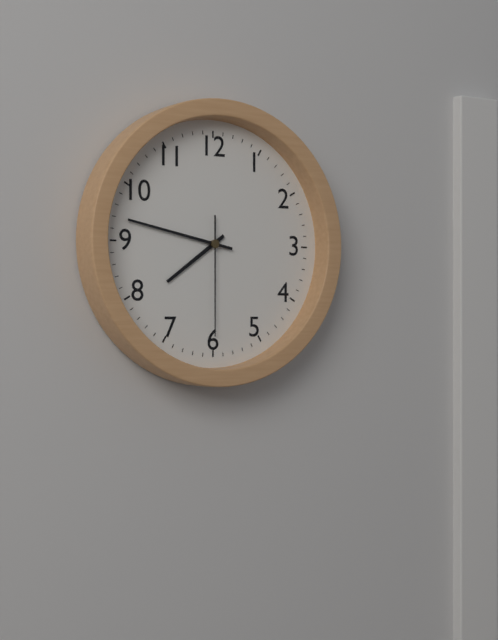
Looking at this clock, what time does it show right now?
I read 7:47:30
